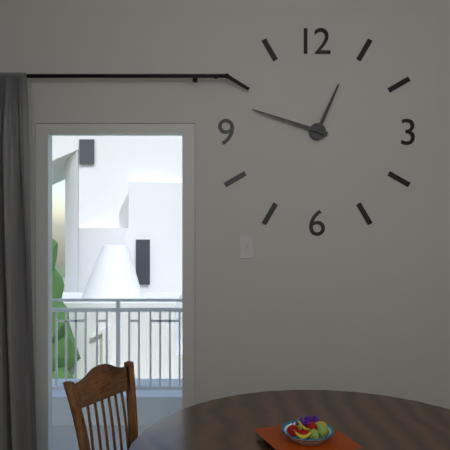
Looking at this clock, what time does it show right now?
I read 12:48
